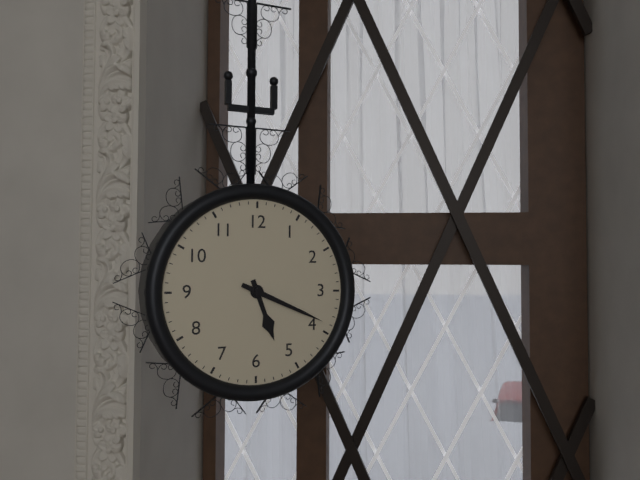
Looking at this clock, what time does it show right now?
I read 5:19
